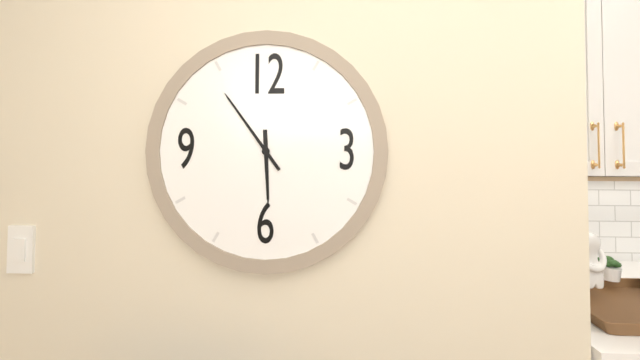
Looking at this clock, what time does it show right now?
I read 5:54
